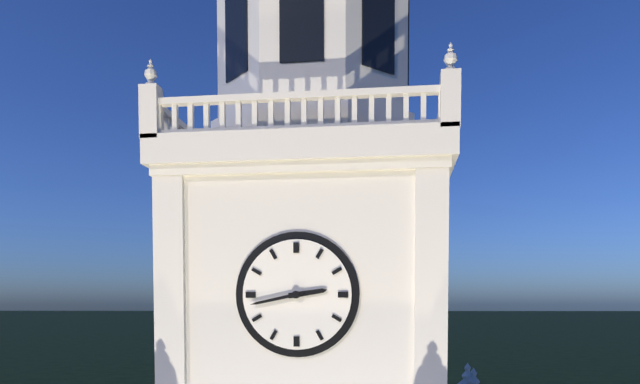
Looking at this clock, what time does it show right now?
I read 2:43
